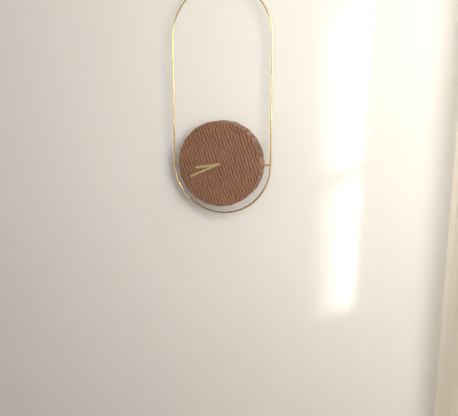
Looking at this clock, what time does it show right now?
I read 8:41
